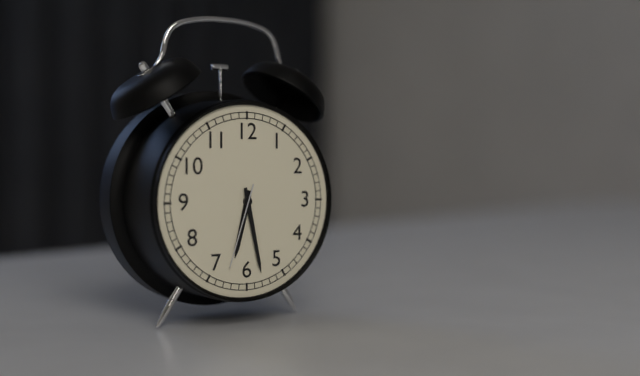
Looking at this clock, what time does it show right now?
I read 6:28:33
